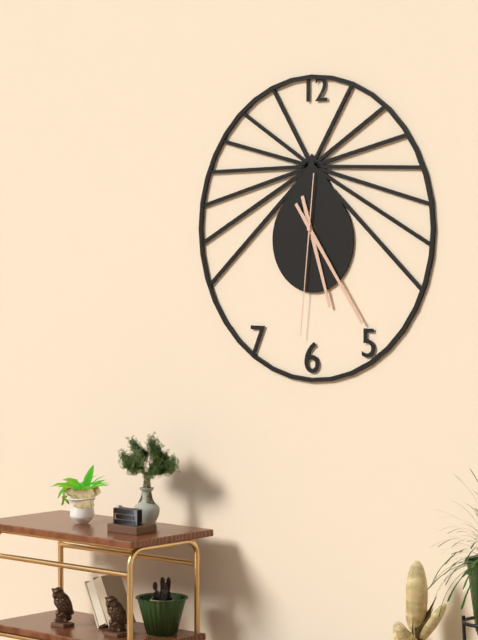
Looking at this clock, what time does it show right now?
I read 5:24:31
